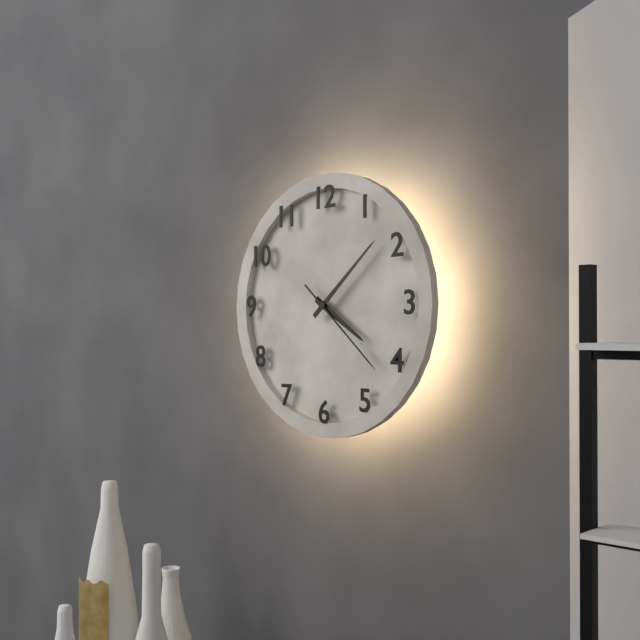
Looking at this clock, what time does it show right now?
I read 4:08:22
